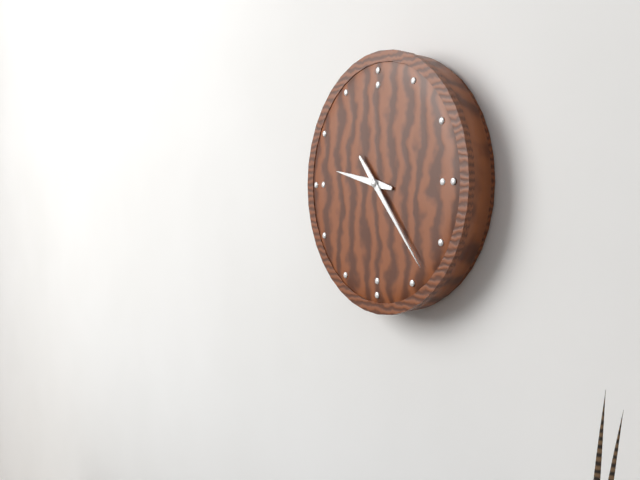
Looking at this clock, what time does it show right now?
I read 9:23
